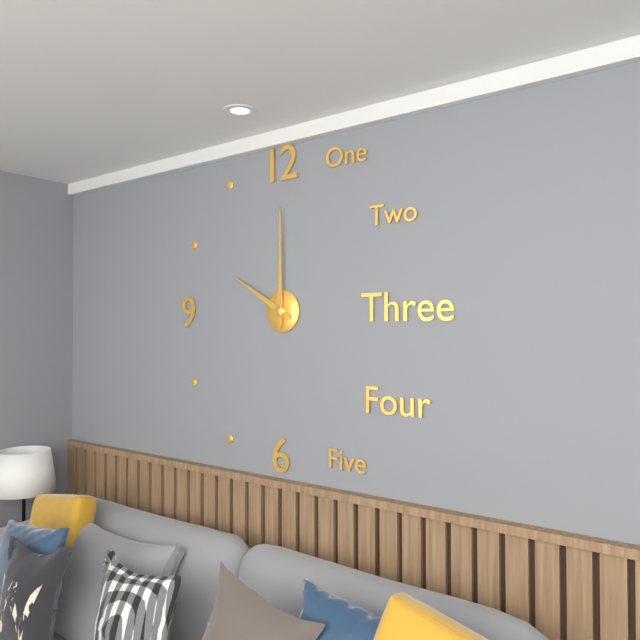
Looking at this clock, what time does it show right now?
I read 10:00
